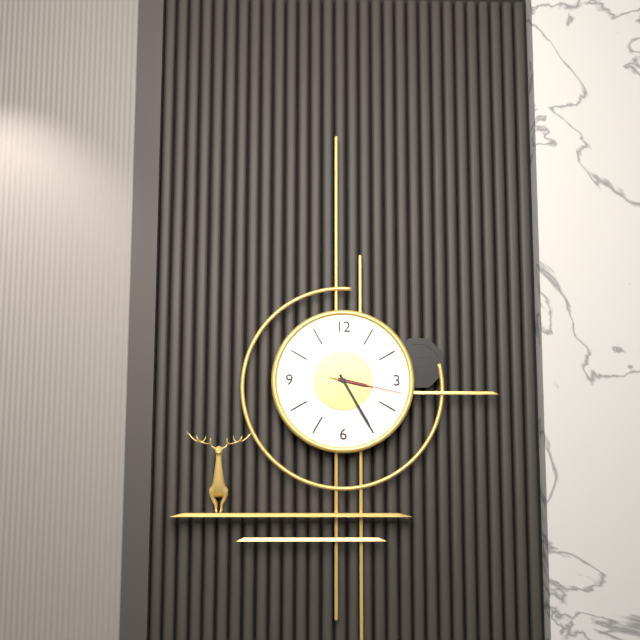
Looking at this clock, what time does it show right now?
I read 3:25:17
